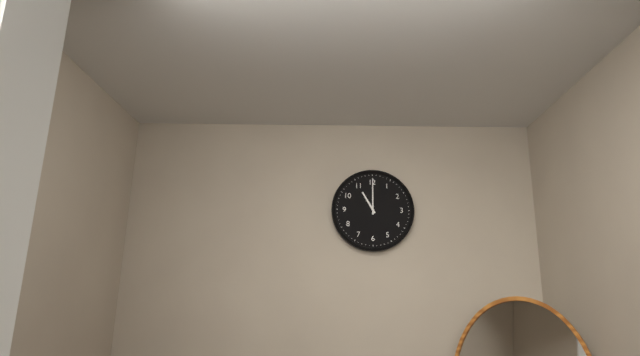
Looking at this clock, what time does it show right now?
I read 11:00
